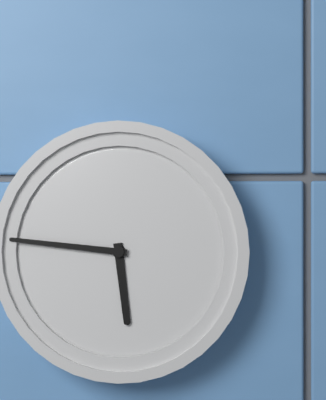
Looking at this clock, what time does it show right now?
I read 5:46
